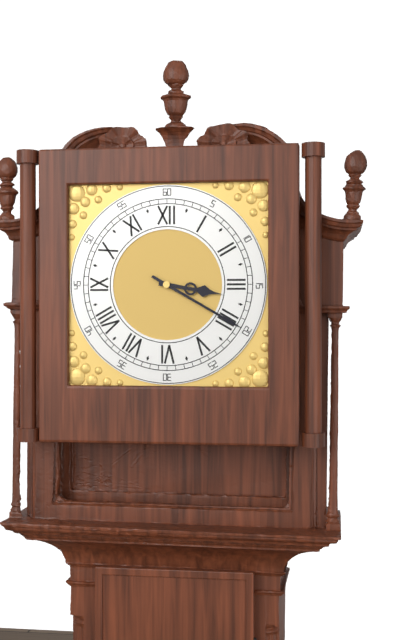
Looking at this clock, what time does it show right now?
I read 3:20
